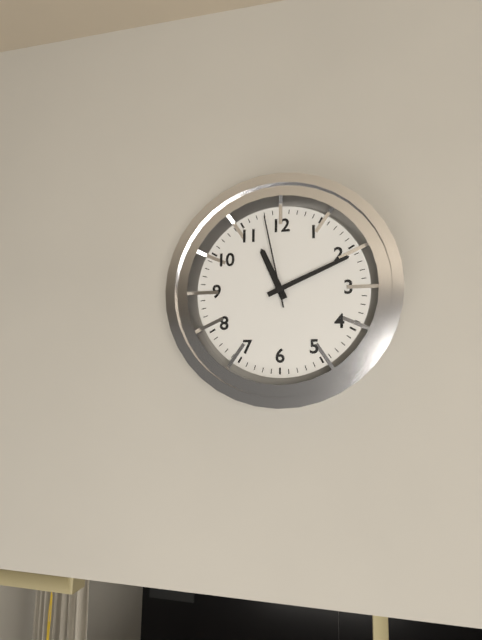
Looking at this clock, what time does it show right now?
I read 11:11:58
